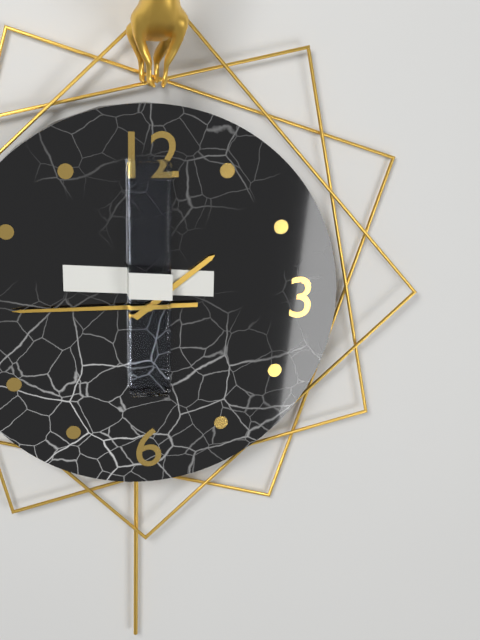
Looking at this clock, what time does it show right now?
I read 1:45
